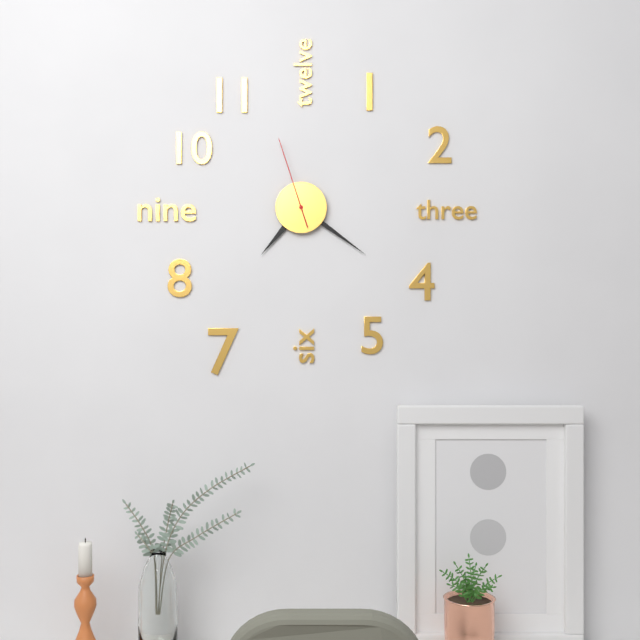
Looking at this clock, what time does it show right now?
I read 7:21:57
